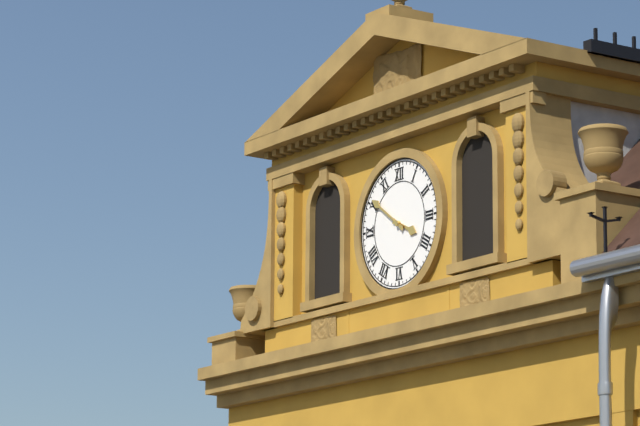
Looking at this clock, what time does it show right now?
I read 3:51
